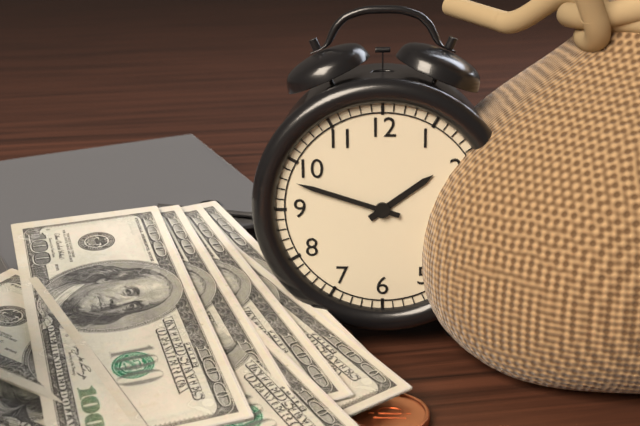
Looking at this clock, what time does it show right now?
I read 1:48
